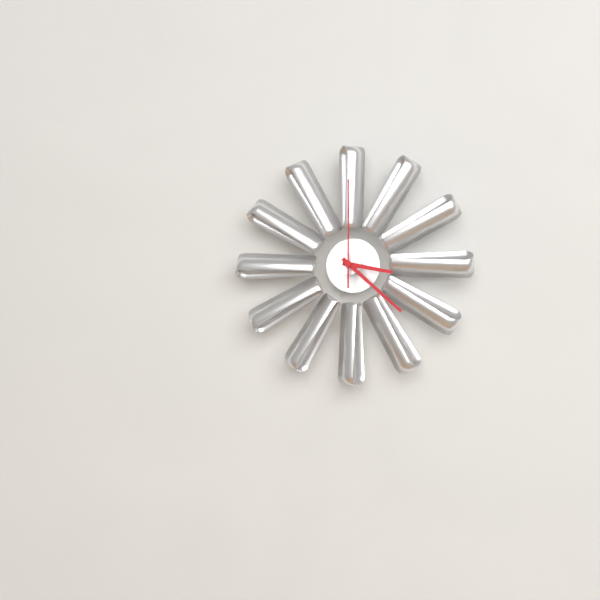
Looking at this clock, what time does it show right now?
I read 3:22:00
